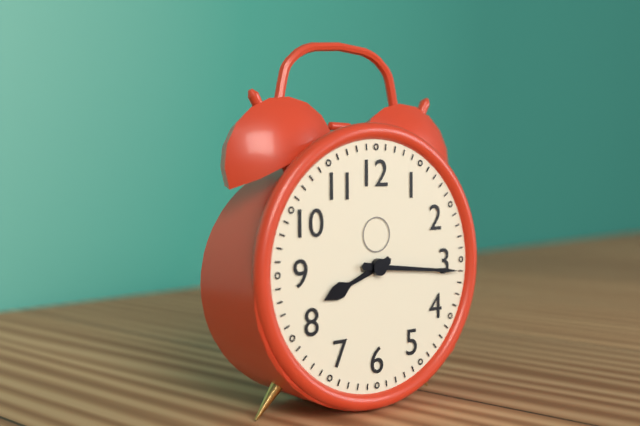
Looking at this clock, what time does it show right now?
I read 8:16
